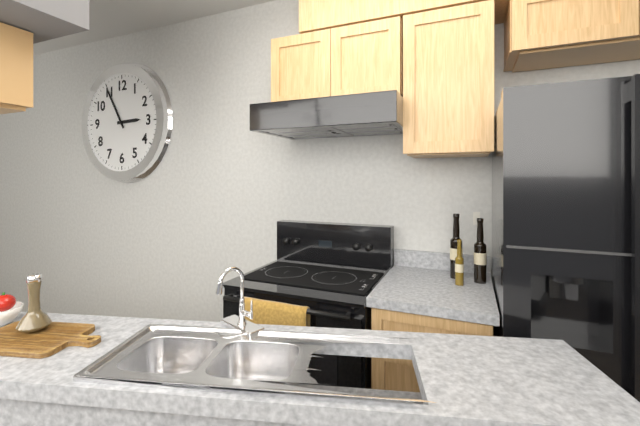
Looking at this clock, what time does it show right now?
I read 2:55
